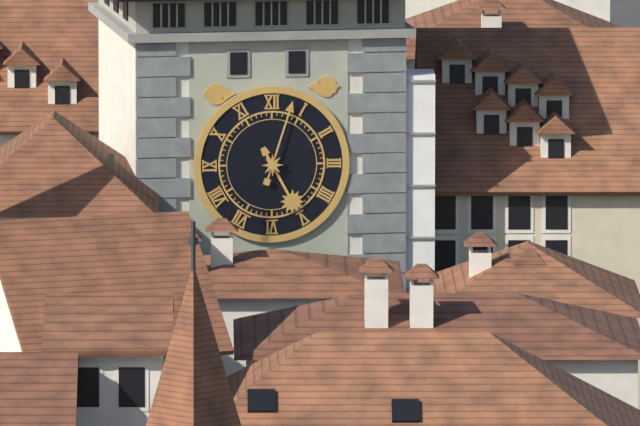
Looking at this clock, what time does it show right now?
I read 5:03
